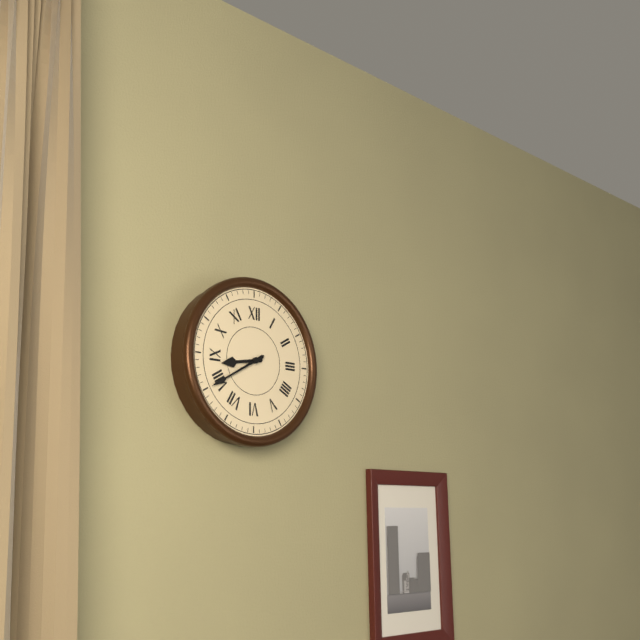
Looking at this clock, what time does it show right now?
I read 8:40
